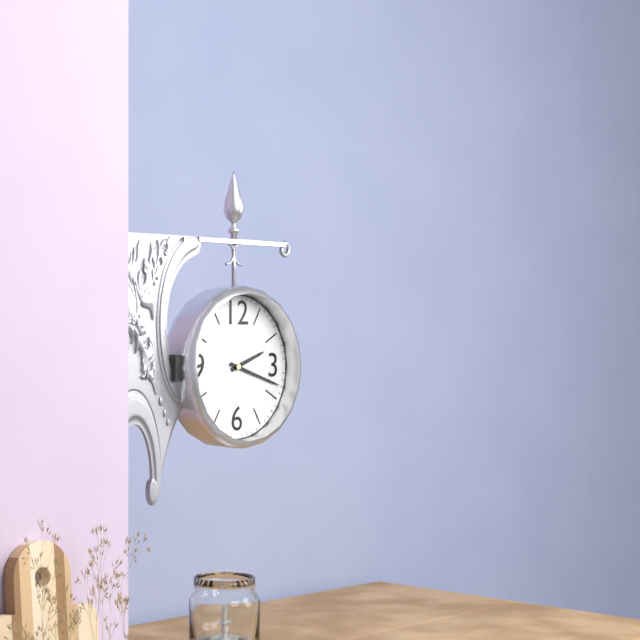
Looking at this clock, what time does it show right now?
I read 2:18
